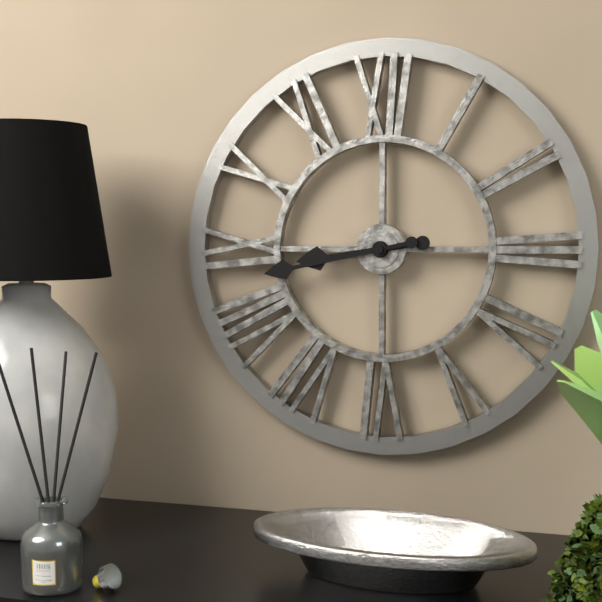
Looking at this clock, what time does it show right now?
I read 8:43
